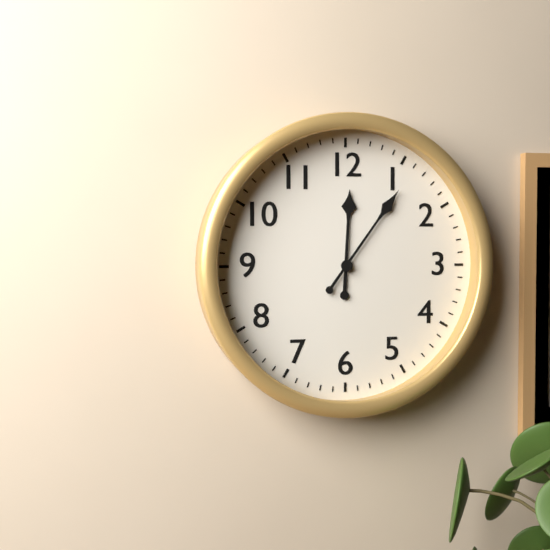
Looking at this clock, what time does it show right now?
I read 12:06
